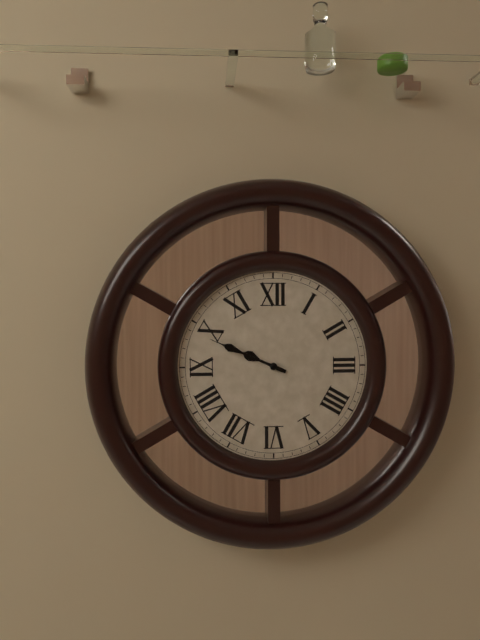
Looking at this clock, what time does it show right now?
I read 9:49
